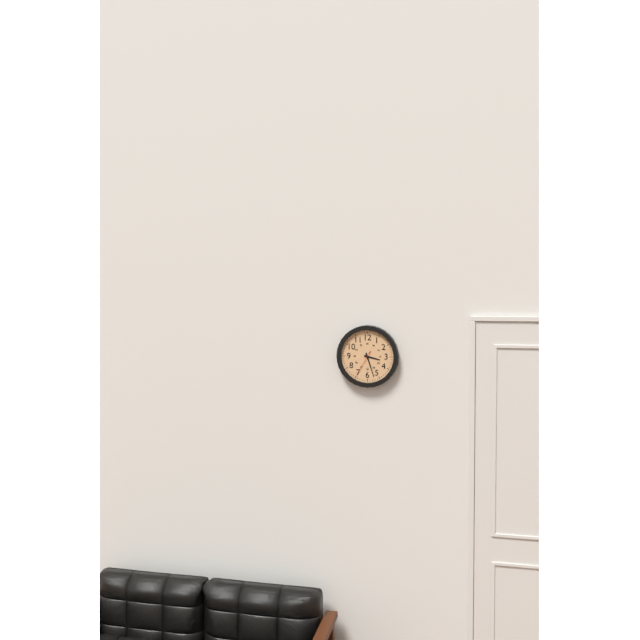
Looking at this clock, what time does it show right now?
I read 3:27
